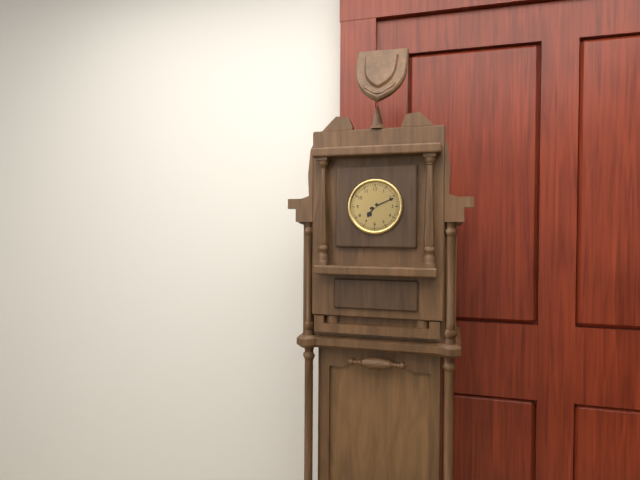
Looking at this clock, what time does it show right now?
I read 7:11
